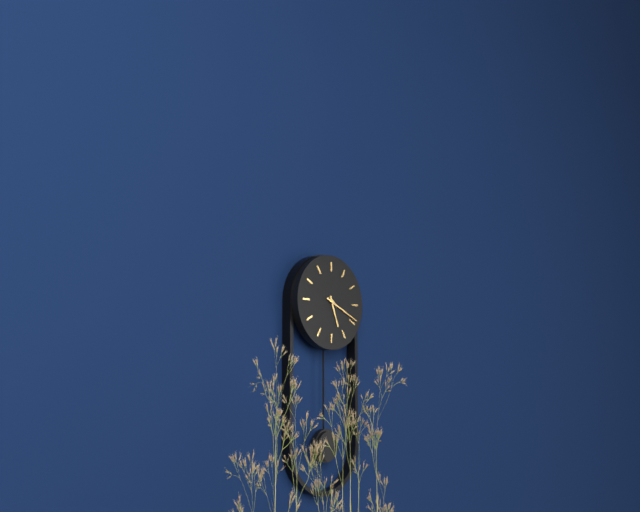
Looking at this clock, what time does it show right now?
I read 5:19
